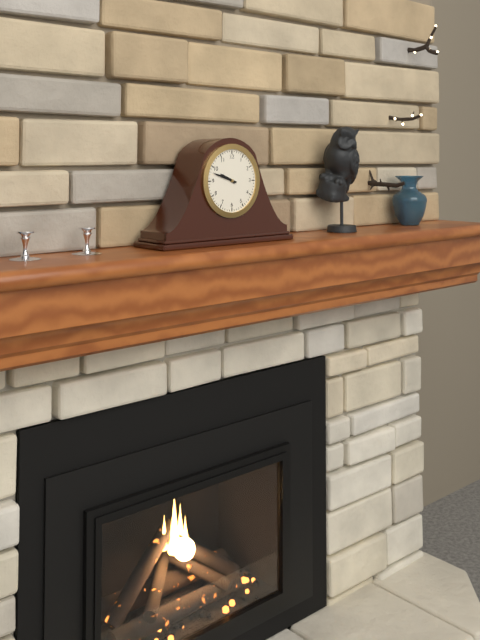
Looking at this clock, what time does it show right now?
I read 9:48
